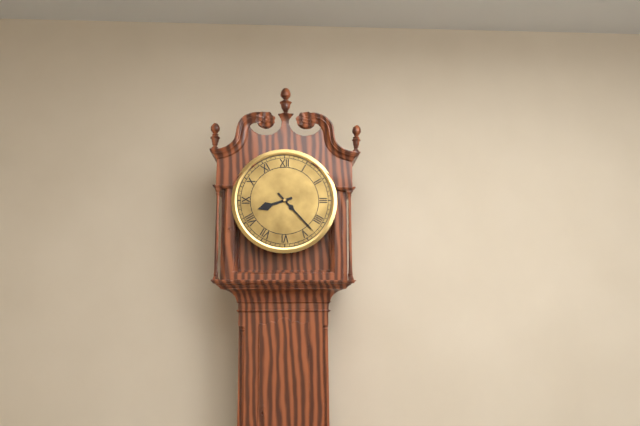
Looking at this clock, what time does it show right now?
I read 8:23
